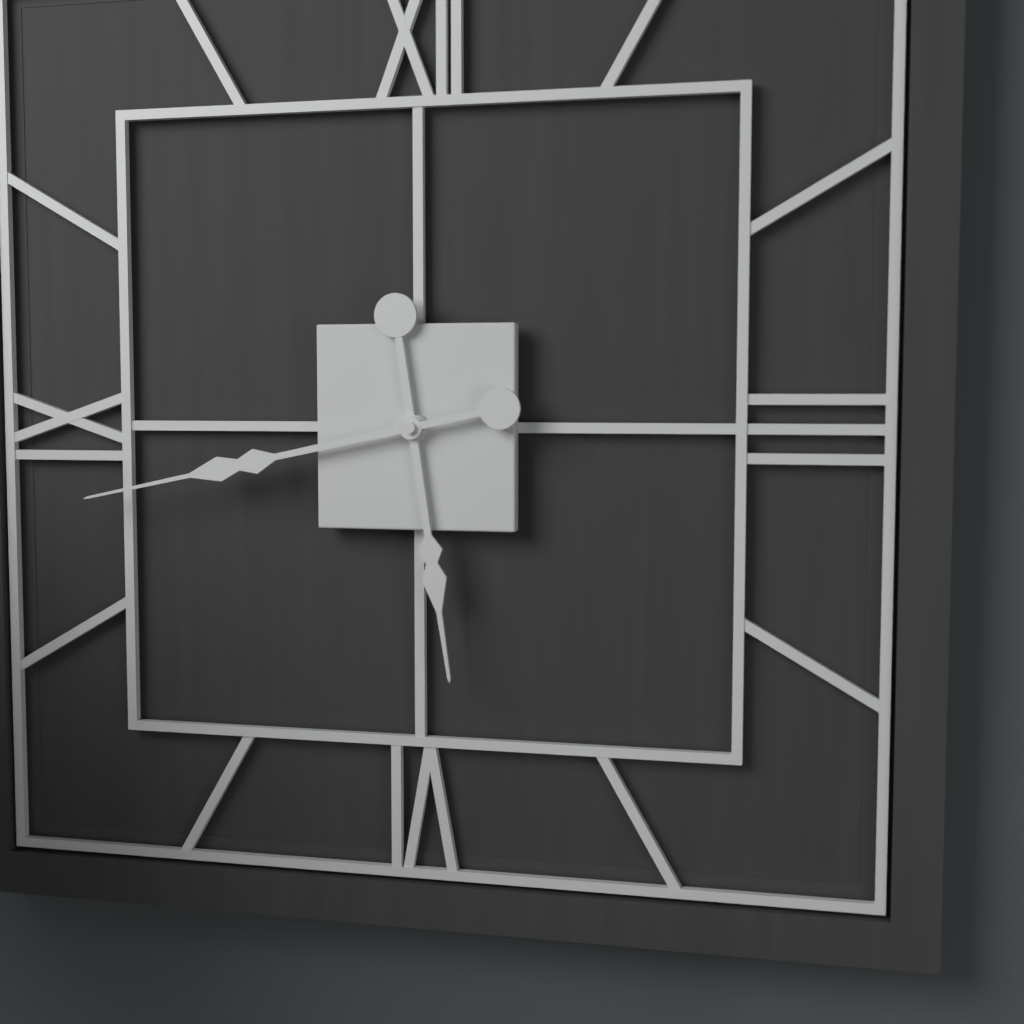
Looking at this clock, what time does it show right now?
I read 5:43
